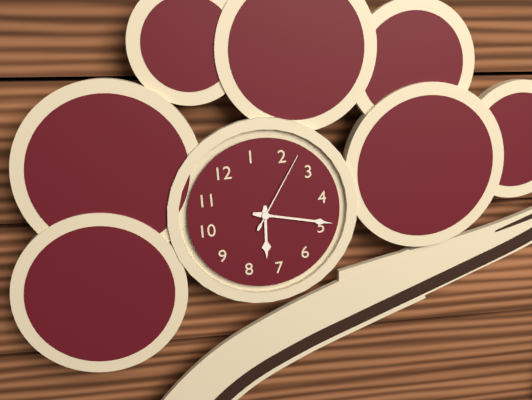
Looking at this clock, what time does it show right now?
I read 7:24:12
